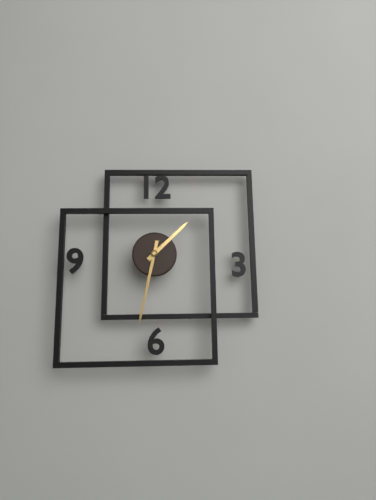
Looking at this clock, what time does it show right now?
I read 1:32
